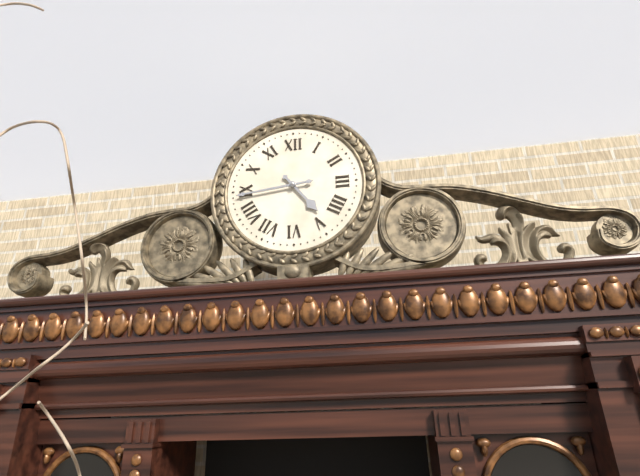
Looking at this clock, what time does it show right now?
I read 4:44
